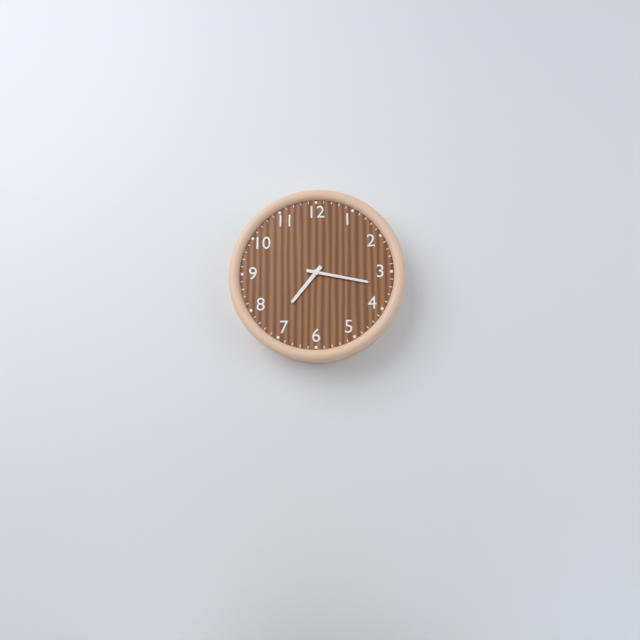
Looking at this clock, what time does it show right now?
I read 7:17
